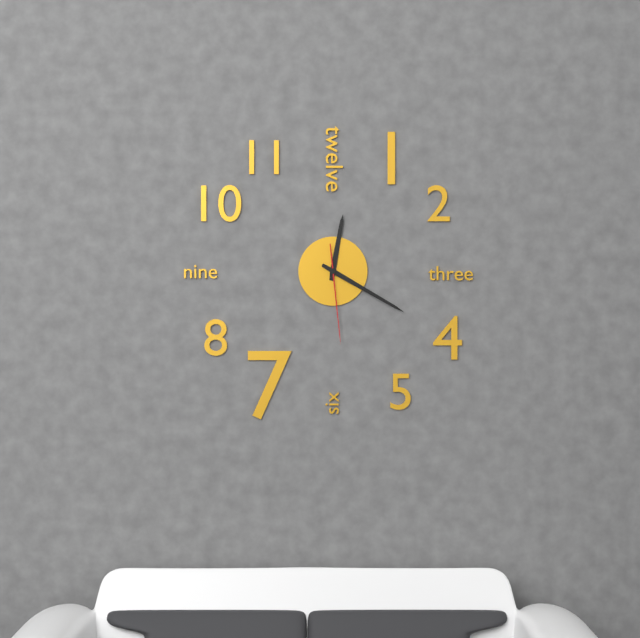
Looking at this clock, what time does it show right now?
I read 12:20:29
